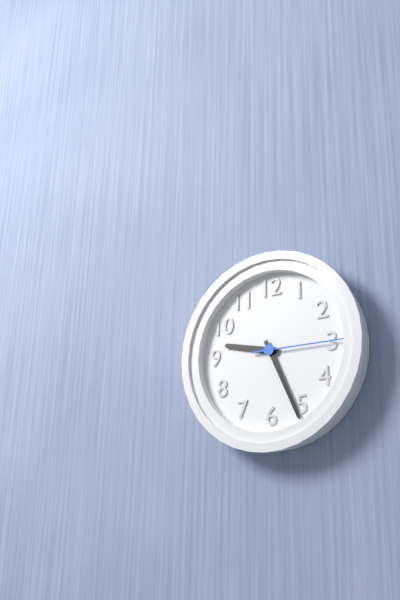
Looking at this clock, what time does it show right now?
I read 9:26:15
